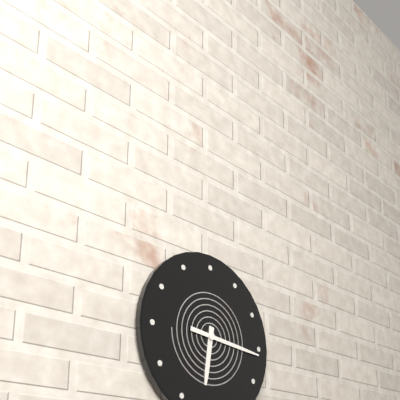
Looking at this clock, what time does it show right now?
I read 6:16
